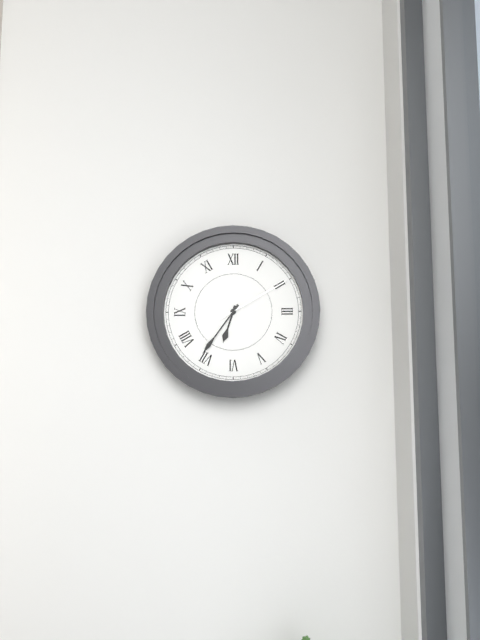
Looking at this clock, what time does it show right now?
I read 6:36:10
